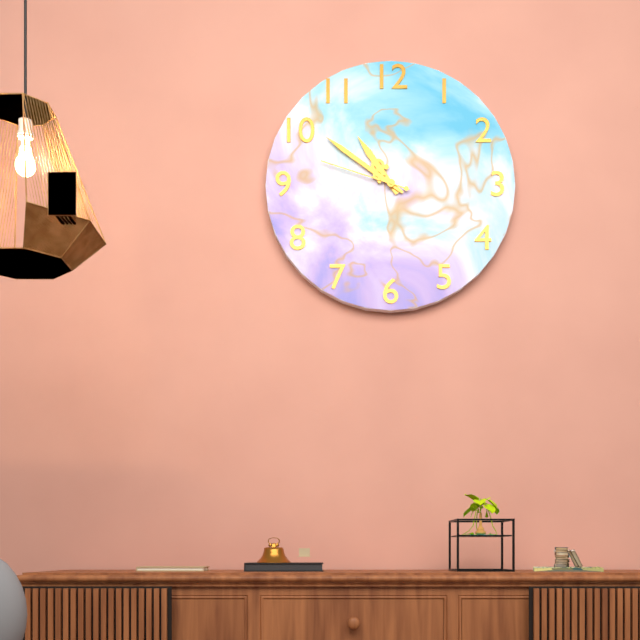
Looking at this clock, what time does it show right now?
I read 10:51:48
